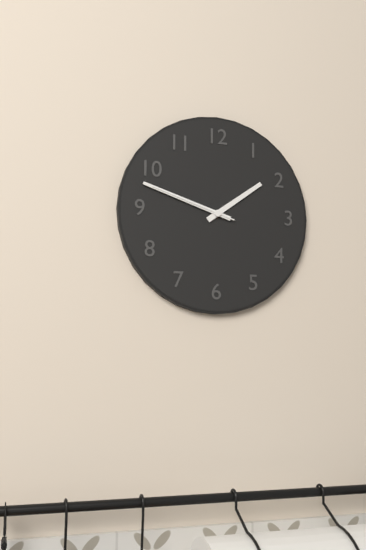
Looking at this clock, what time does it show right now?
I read 1:48:48
